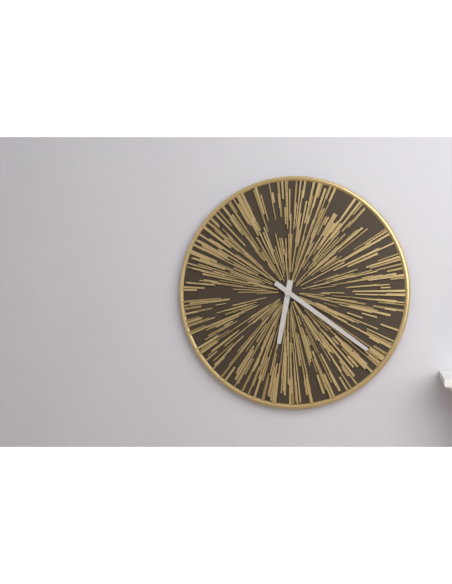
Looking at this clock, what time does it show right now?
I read 6:21
